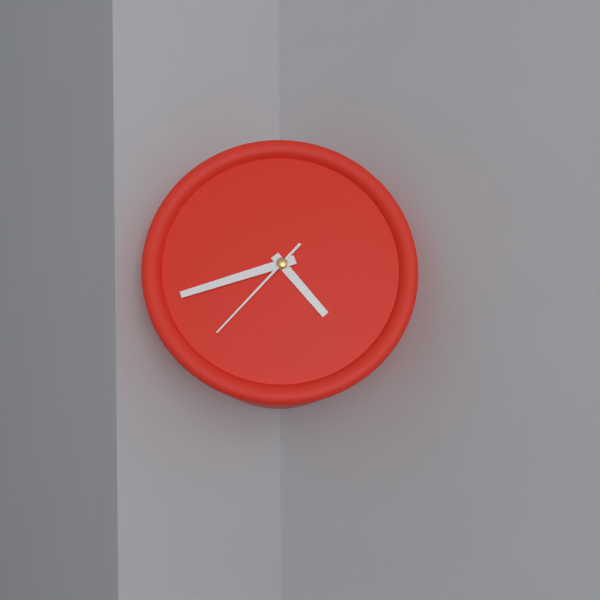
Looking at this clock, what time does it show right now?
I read 4:42:37
